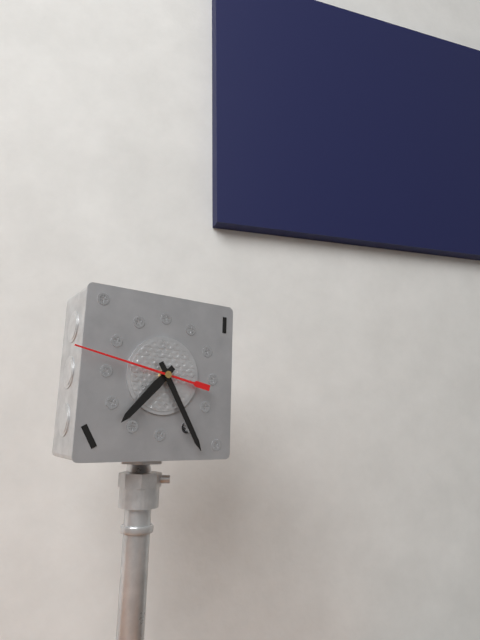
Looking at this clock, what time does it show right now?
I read 7:25:47
